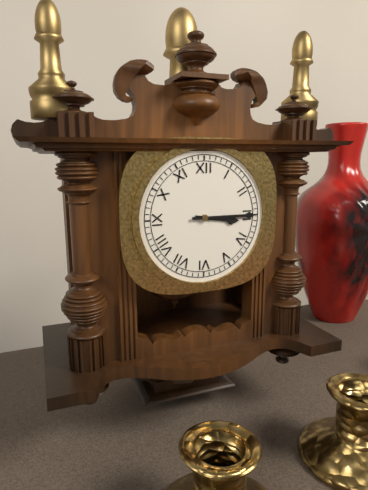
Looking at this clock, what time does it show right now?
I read 3:15
